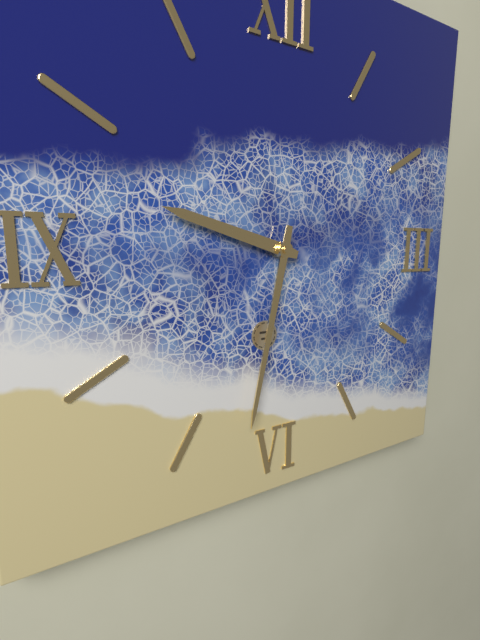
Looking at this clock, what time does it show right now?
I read 9:32
